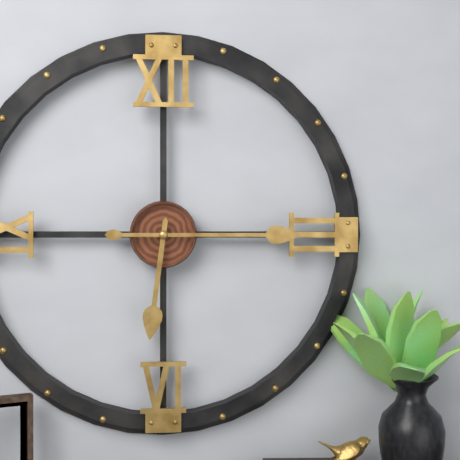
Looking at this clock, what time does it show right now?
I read 6:15
